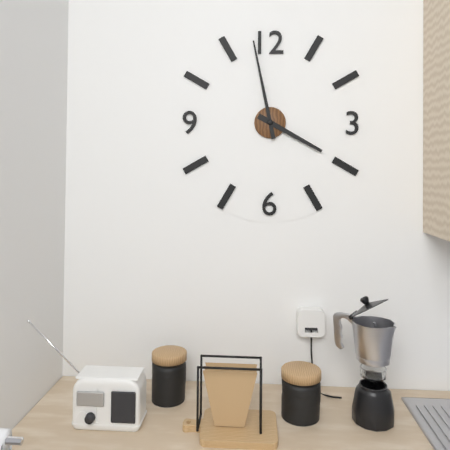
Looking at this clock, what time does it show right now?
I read 3:58
